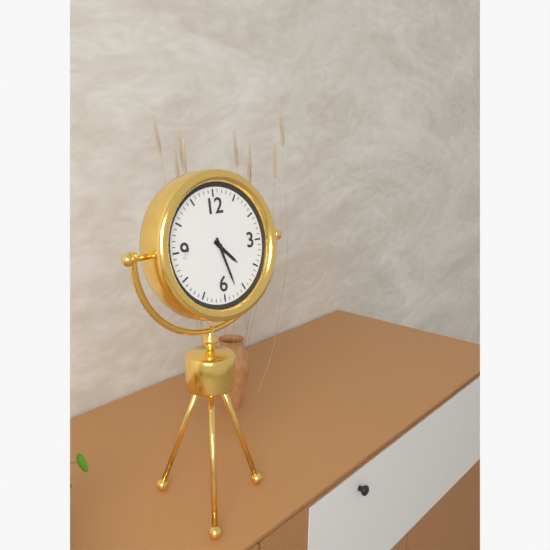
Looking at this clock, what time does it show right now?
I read 4:27
